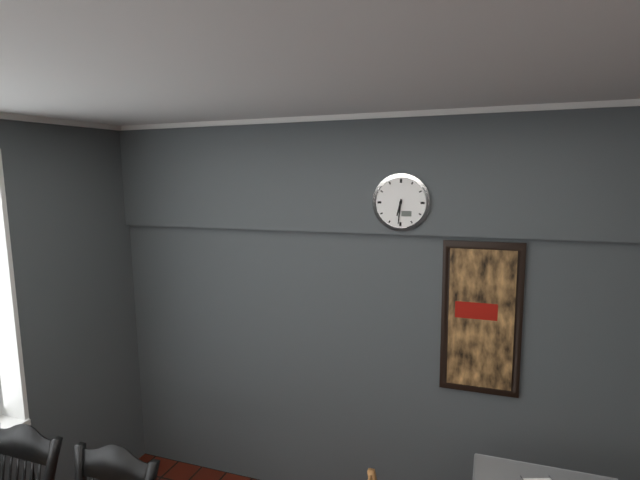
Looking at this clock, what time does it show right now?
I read 6:31
